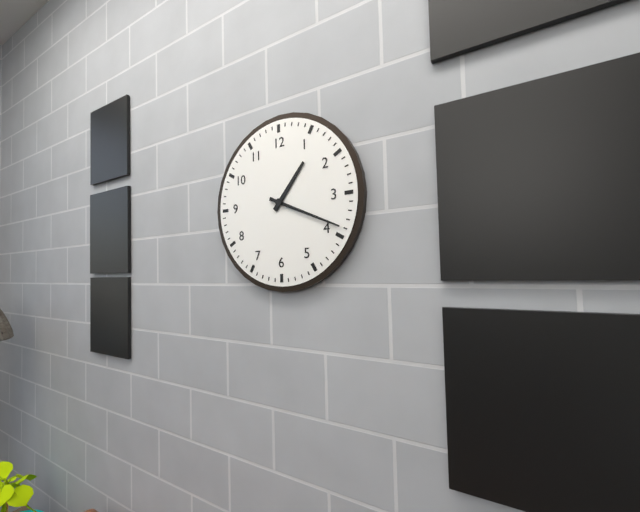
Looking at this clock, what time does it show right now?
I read 1:19
